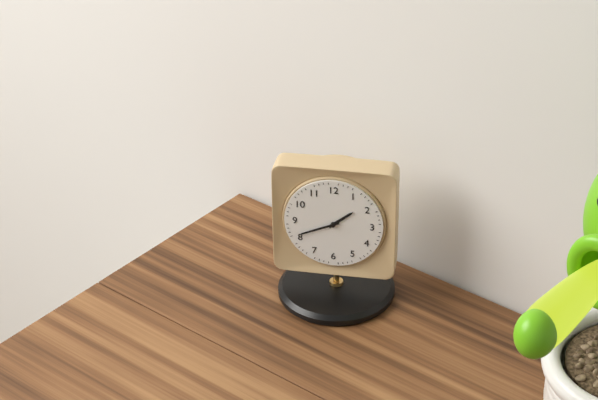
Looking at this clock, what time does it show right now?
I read 1:41
